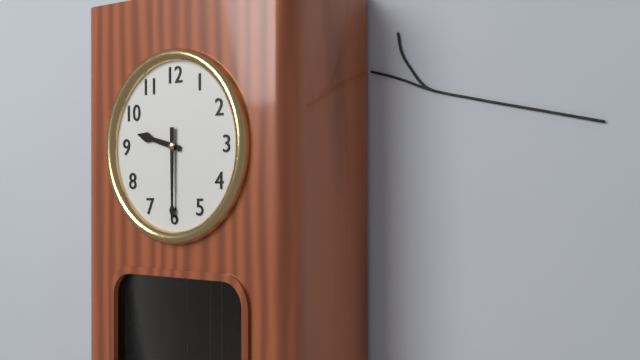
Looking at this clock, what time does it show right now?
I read 9:30
